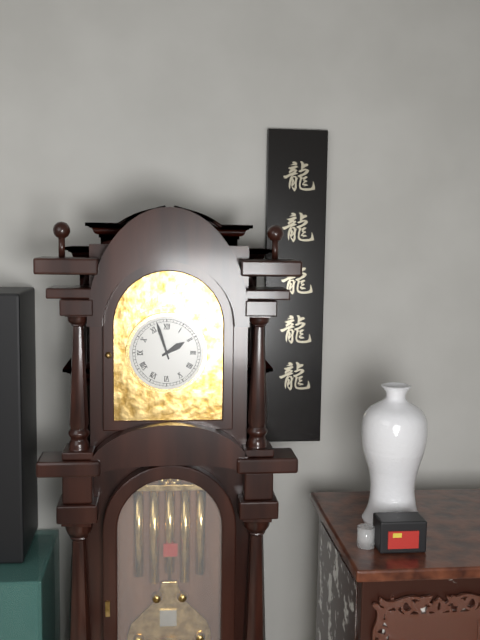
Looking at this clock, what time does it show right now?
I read 1:57
